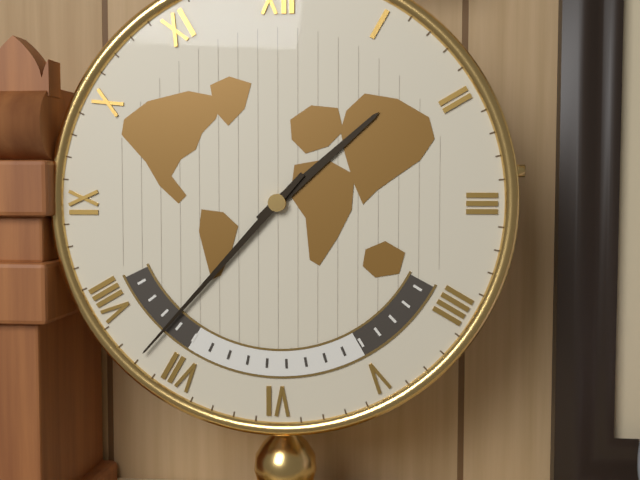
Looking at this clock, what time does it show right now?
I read 1:37
